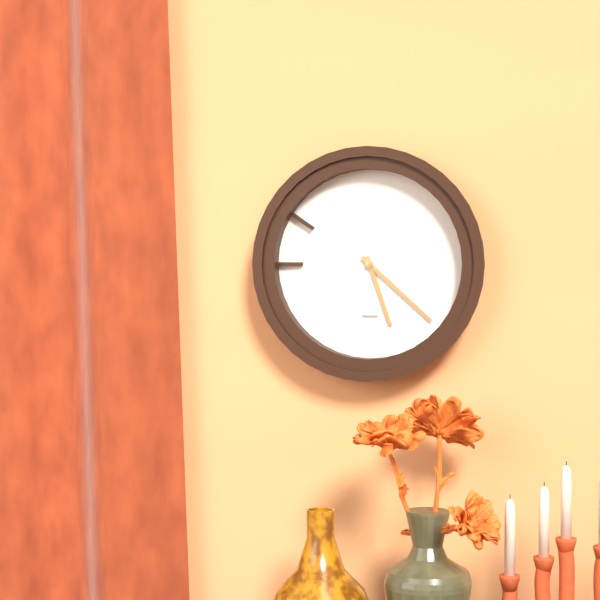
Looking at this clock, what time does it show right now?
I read 5:22
